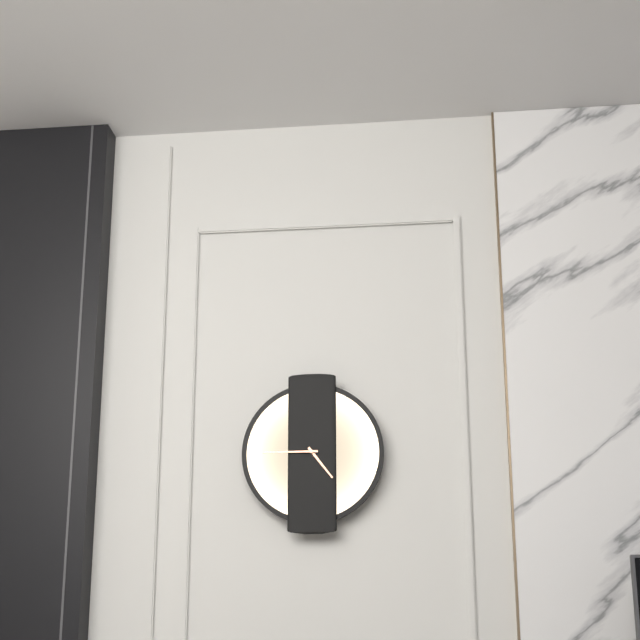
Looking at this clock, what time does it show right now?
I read 4:45
